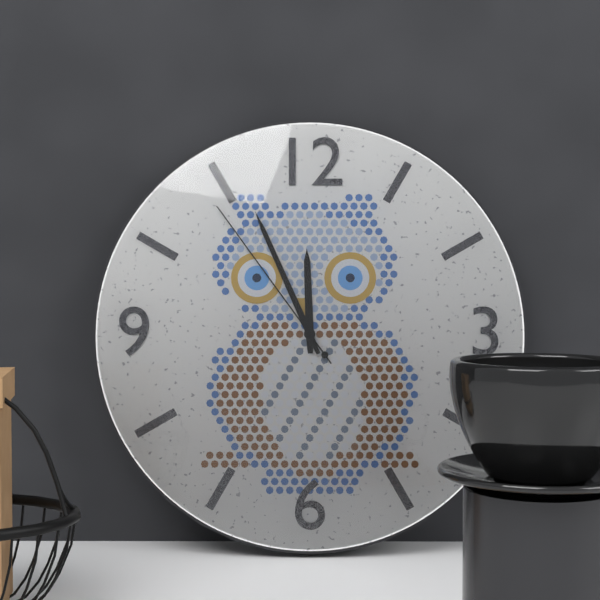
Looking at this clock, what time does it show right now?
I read 11:56:54
